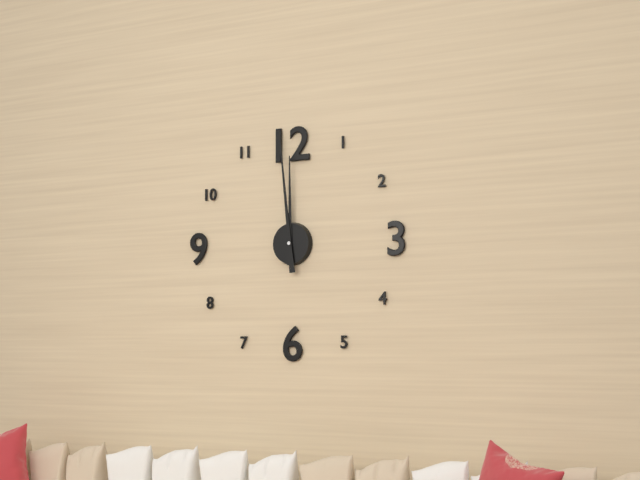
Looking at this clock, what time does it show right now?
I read 11:59
